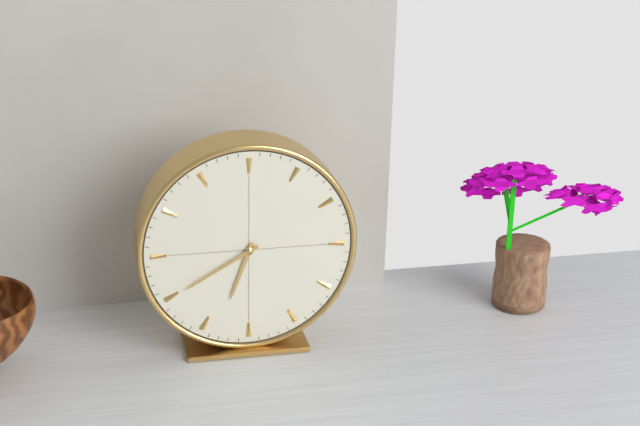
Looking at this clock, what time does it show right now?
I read 6:40
